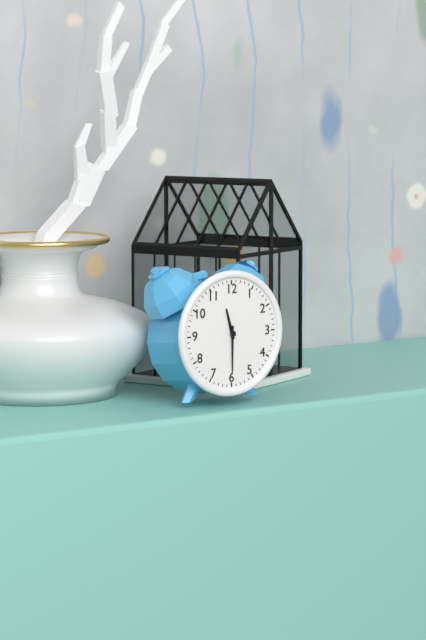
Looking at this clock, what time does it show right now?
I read 11:30
